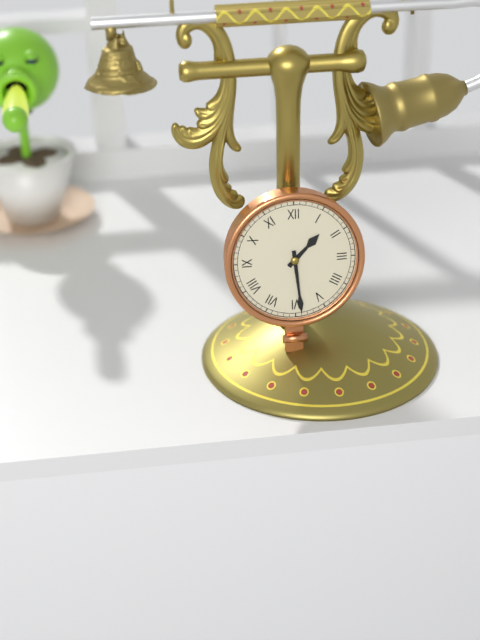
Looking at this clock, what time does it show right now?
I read 1:29
